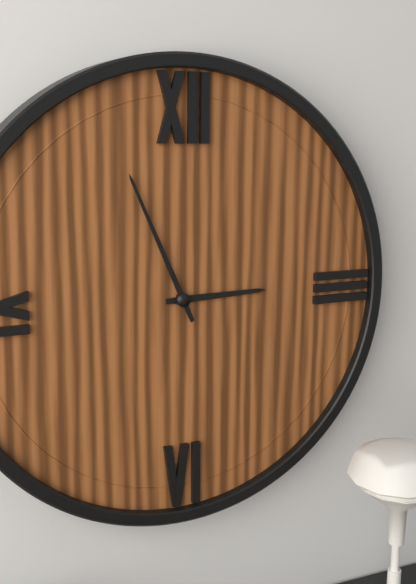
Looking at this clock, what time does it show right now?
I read 2:56
